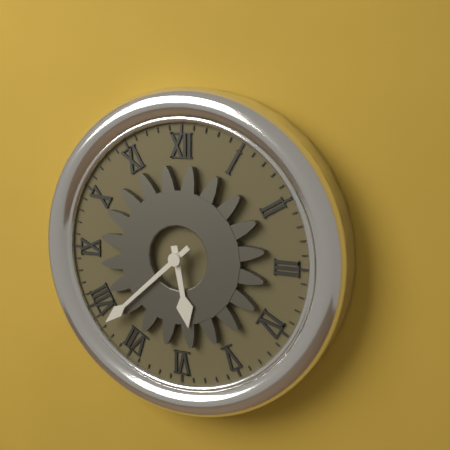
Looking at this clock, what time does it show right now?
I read 5:38
